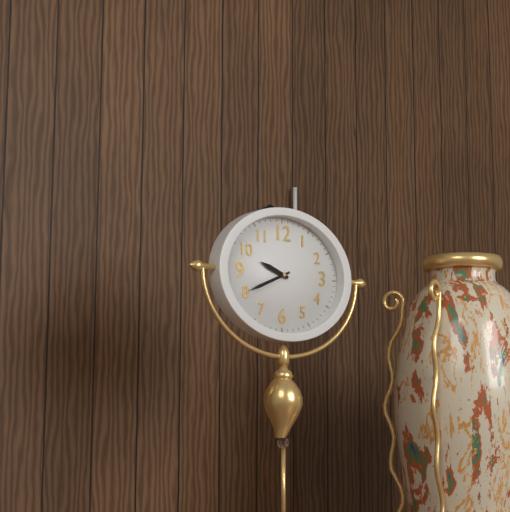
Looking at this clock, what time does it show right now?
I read 9:41
